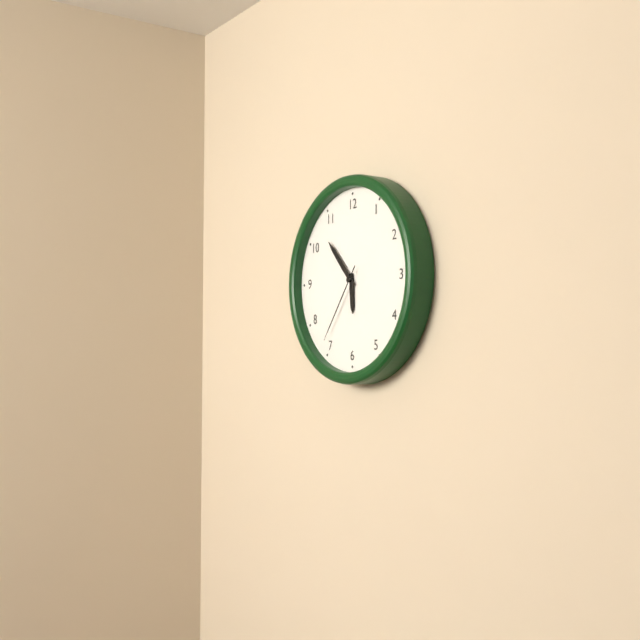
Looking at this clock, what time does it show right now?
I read 5:53:36
